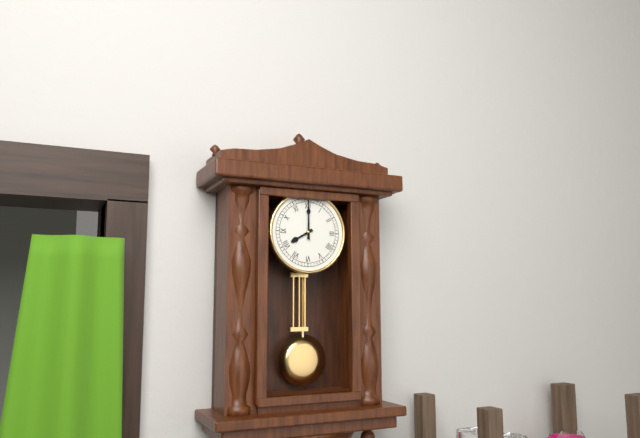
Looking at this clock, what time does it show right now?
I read 8:00
